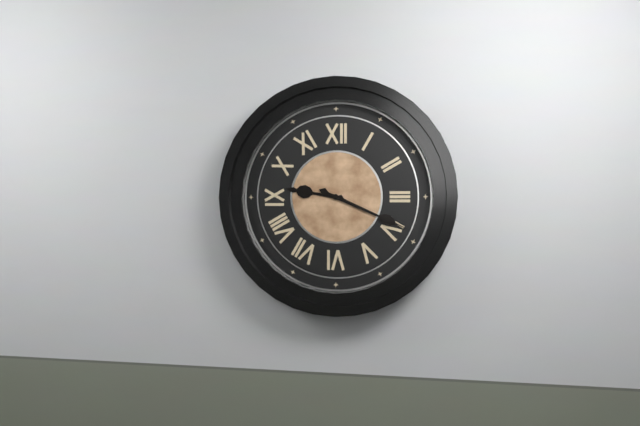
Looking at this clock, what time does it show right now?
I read 9:19
